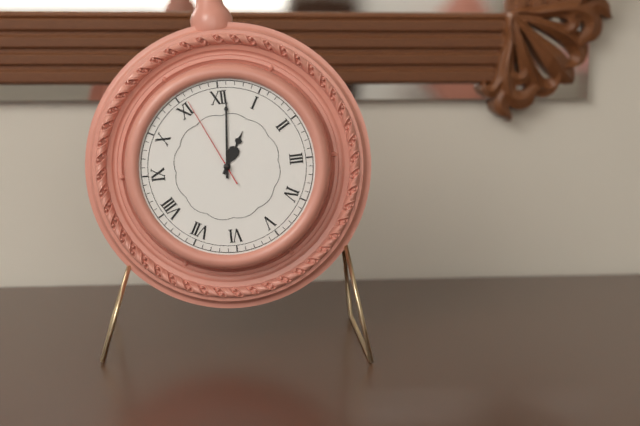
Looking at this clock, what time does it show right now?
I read 1:01:56
